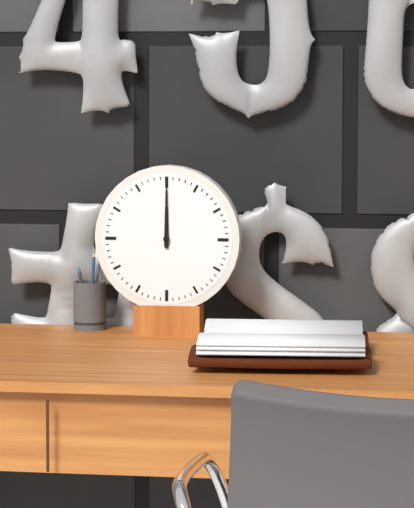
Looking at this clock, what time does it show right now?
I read 12:00
